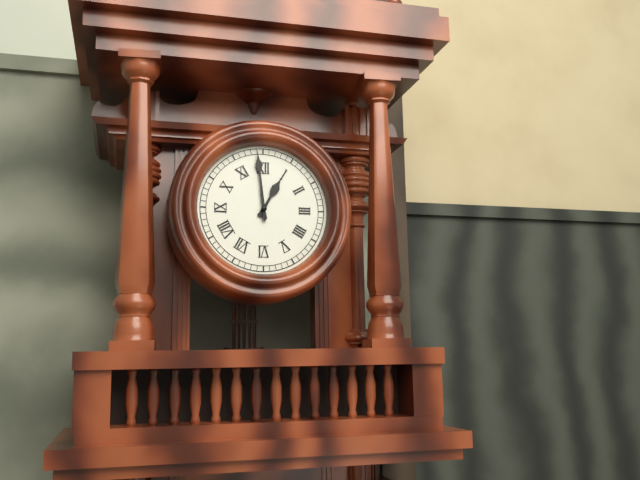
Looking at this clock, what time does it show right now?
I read 12:59
